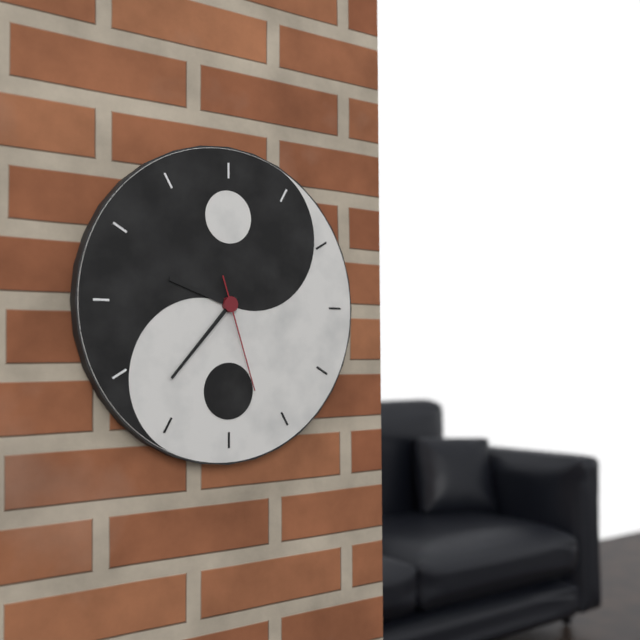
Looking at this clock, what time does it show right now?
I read 9:37:27
